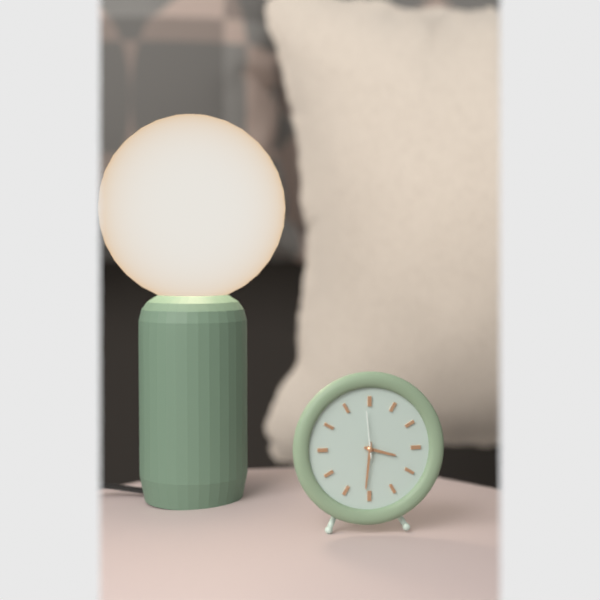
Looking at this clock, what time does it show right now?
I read 3:31
